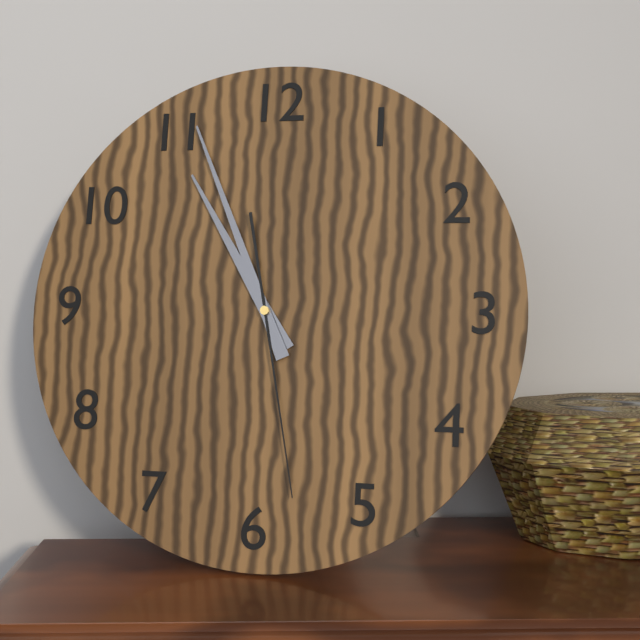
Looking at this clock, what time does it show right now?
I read 10:56:28
